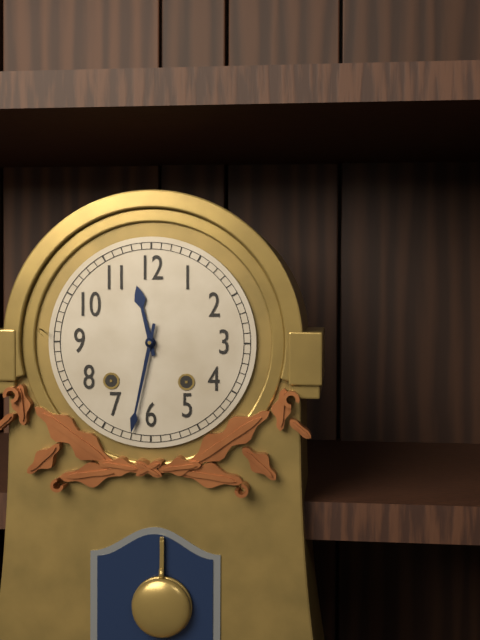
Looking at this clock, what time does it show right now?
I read 11:32
